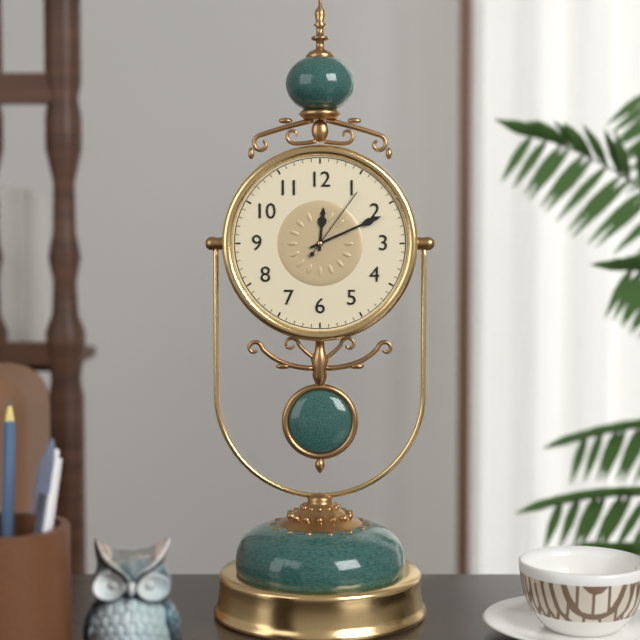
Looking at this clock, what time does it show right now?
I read 12:11:06
